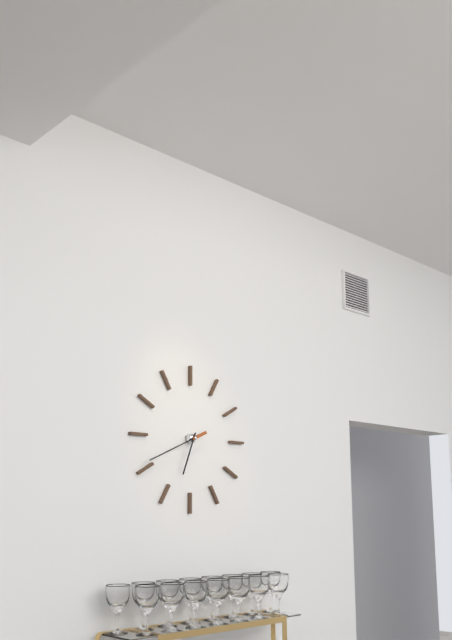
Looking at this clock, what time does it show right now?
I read 6:41
